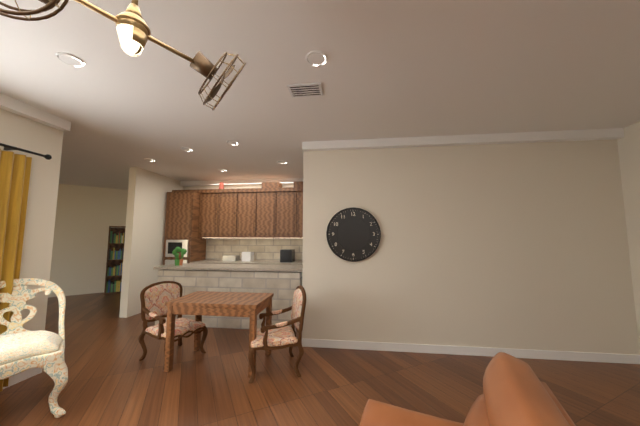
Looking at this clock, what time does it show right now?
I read 12:31
